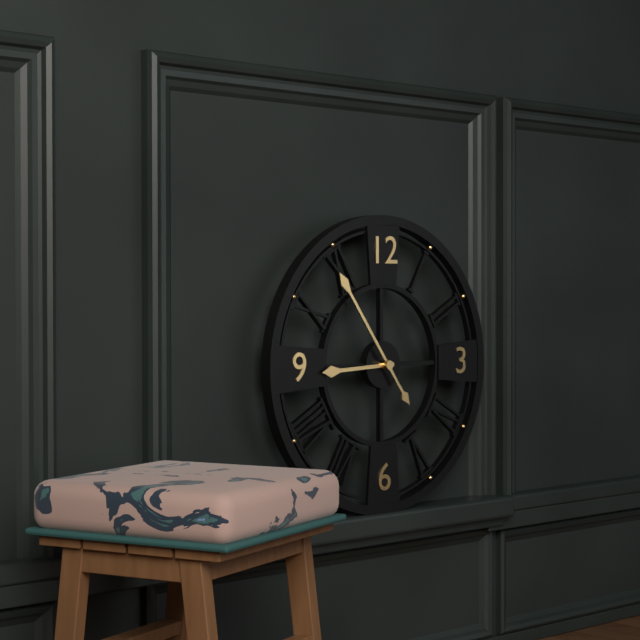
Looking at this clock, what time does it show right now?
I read 8:54
